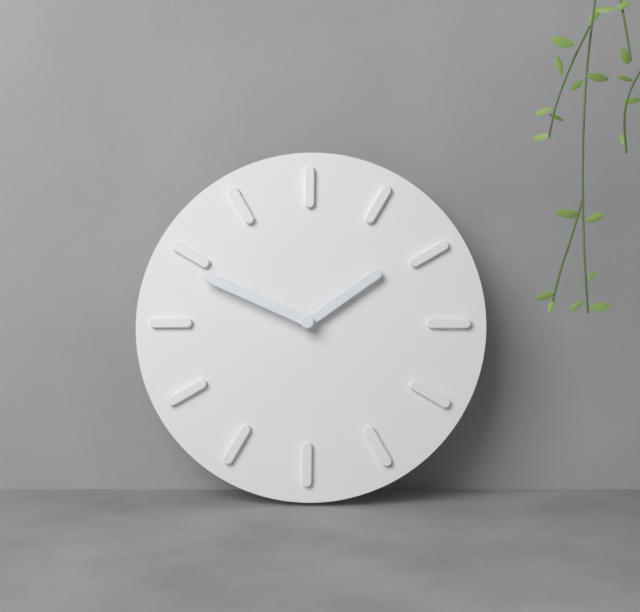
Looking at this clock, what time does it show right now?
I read 1:49
